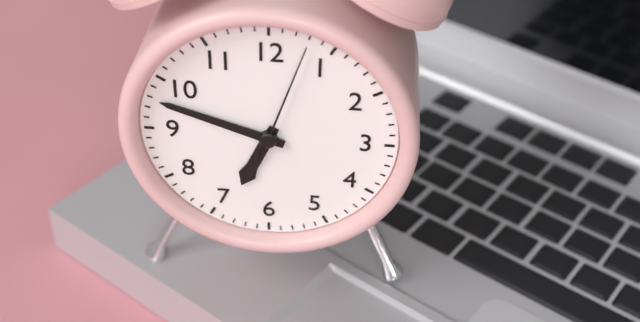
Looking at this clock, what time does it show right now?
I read 6:48:03
